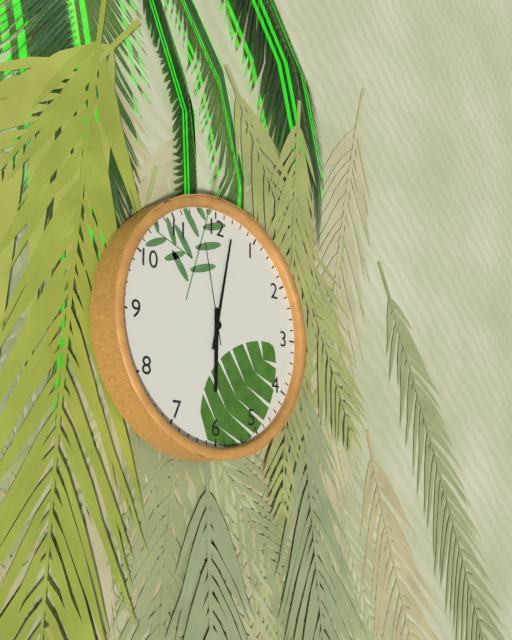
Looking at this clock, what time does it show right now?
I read 6:02:58
